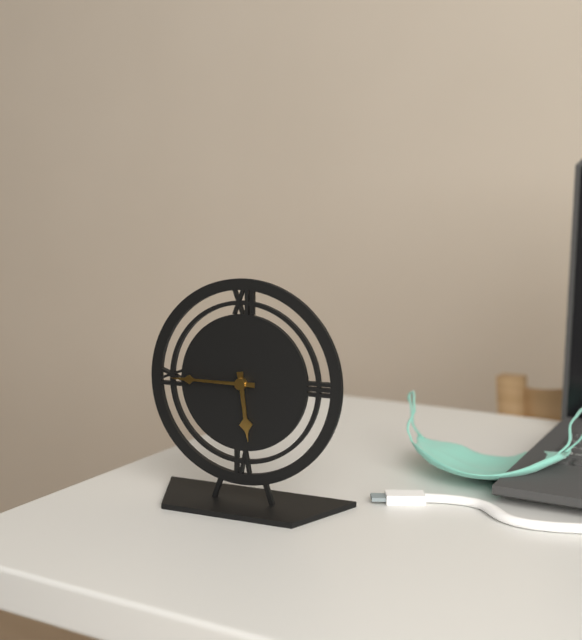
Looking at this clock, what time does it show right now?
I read 5:45
